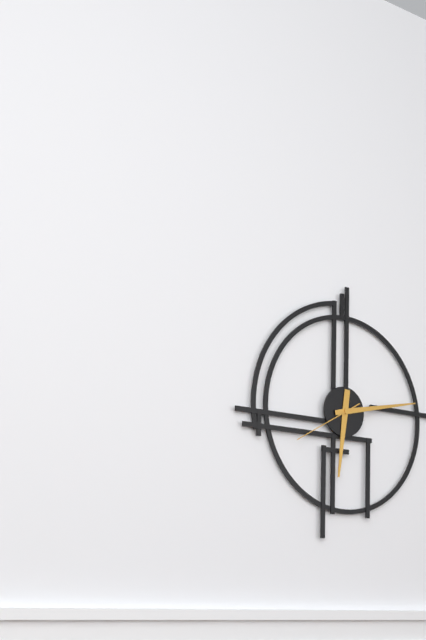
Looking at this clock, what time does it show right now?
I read 6:13:40
